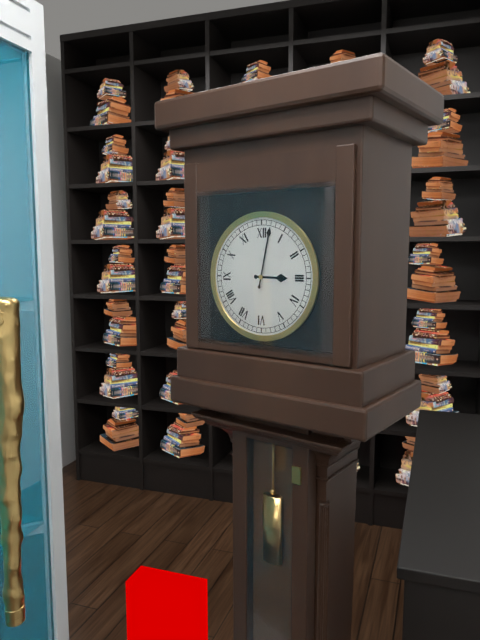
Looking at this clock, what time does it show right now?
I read 3:02
